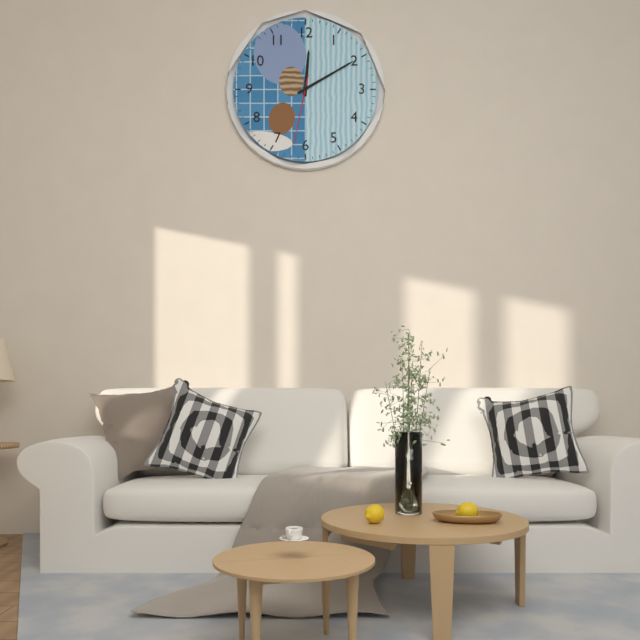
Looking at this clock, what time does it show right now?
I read 12:10:32
